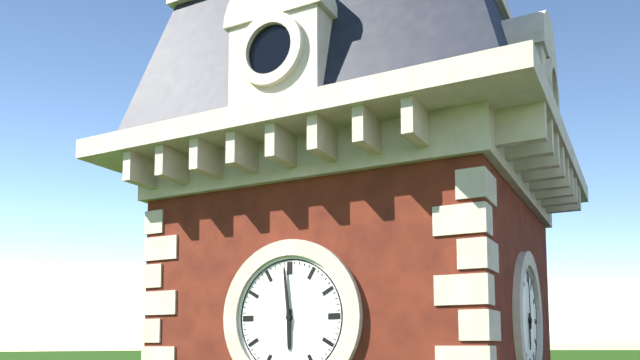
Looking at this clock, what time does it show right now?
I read 5:59
